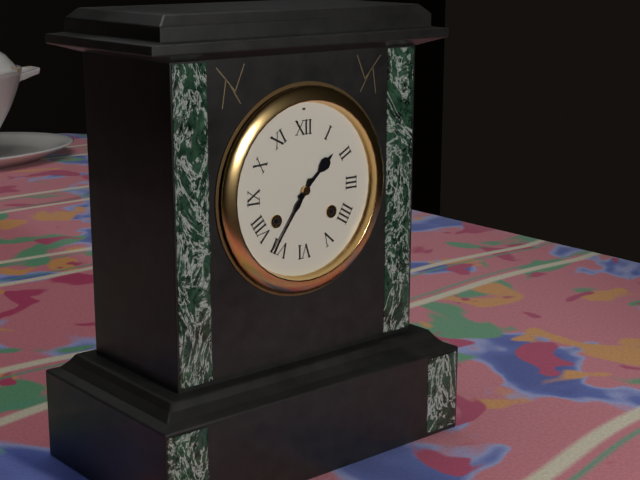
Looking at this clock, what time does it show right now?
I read 1:36
